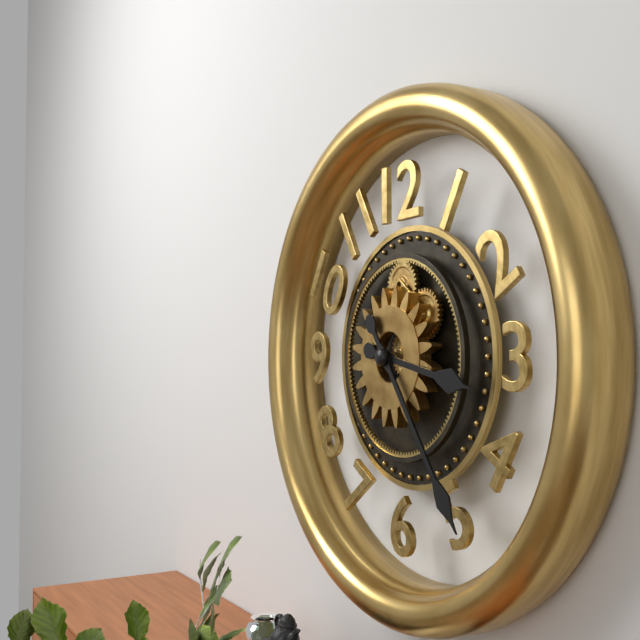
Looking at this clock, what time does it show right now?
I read 3:24
